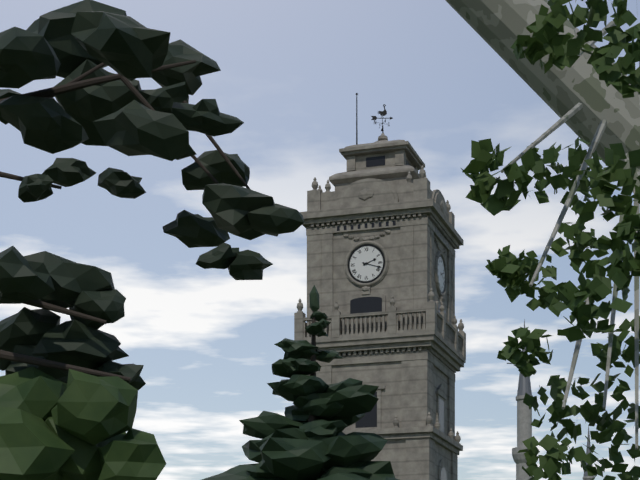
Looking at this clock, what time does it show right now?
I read 2:18
